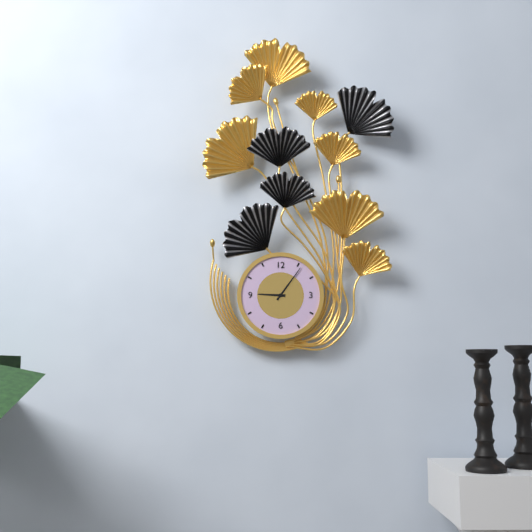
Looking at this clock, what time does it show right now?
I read 9:06
